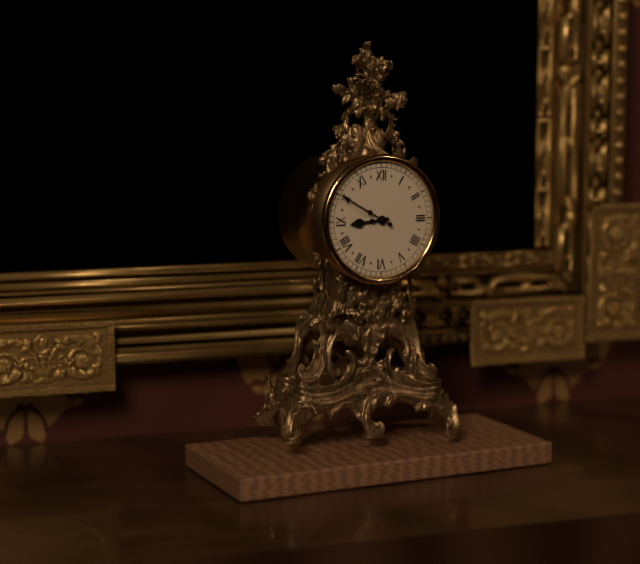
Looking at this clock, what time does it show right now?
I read 8:50
